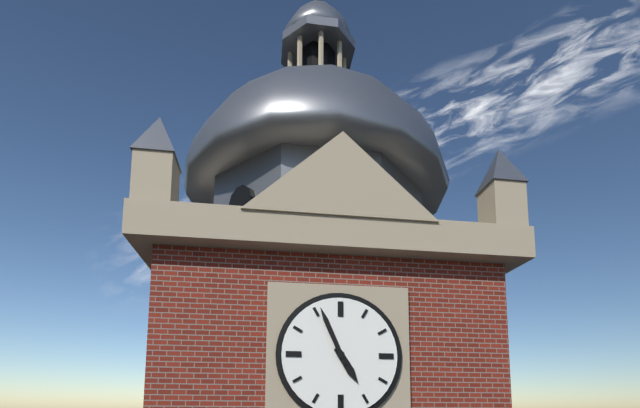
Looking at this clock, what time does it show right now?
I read 4:56
